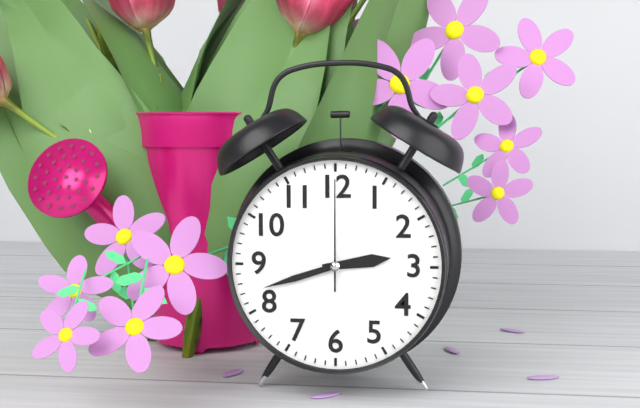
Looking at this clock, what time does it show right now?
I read 2:42:00
